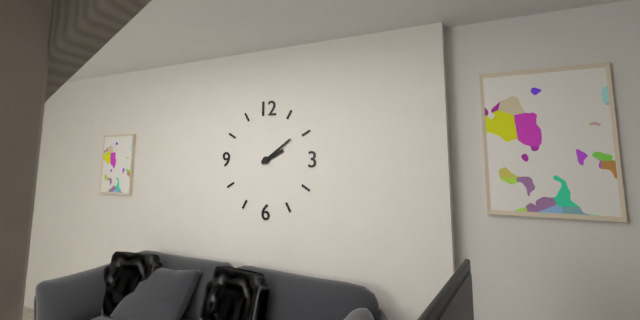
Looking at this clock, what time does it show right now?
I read 2:09
